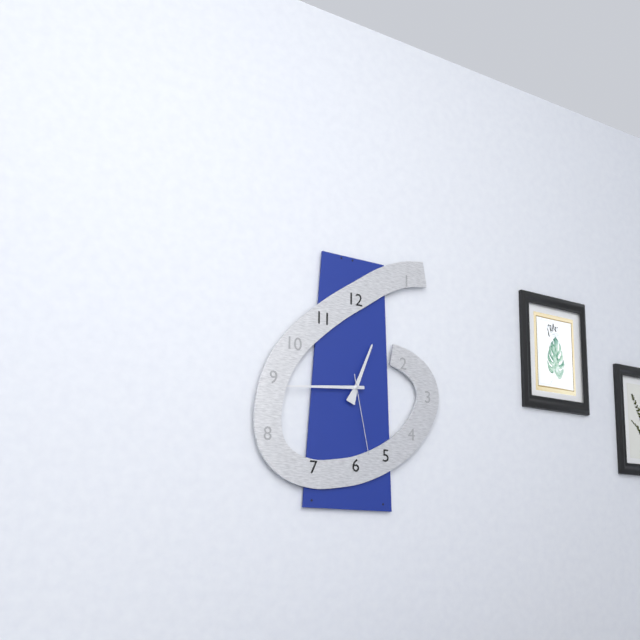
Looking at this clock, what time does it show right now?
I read 12:44:28
